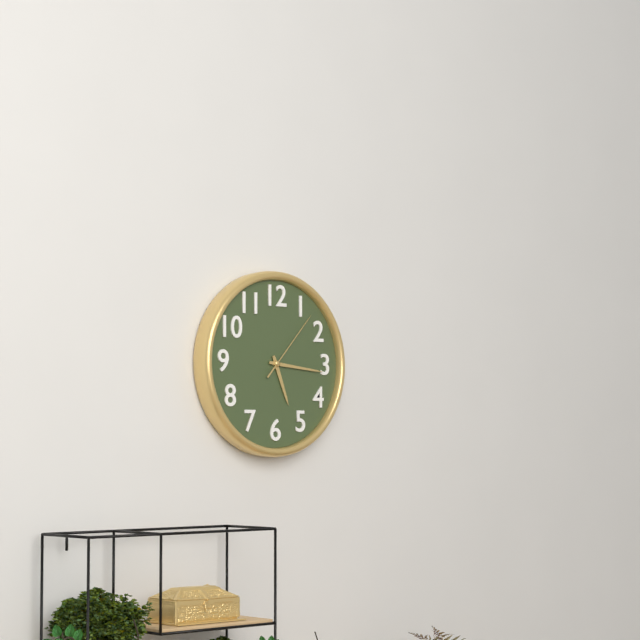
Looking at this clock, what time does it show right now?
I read 5:16:07
